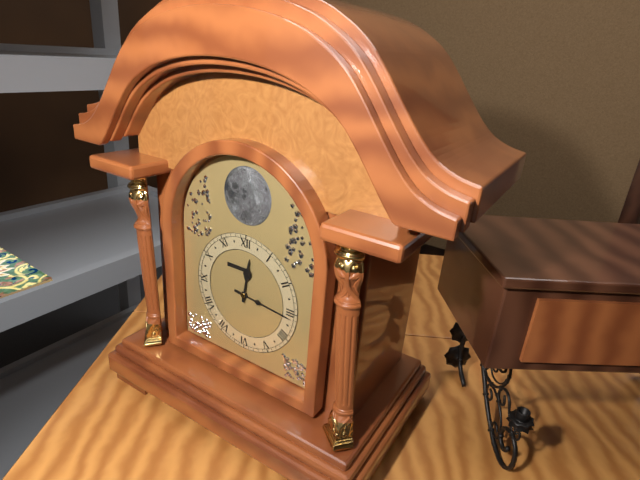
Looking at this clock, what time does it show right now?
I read 12:16
